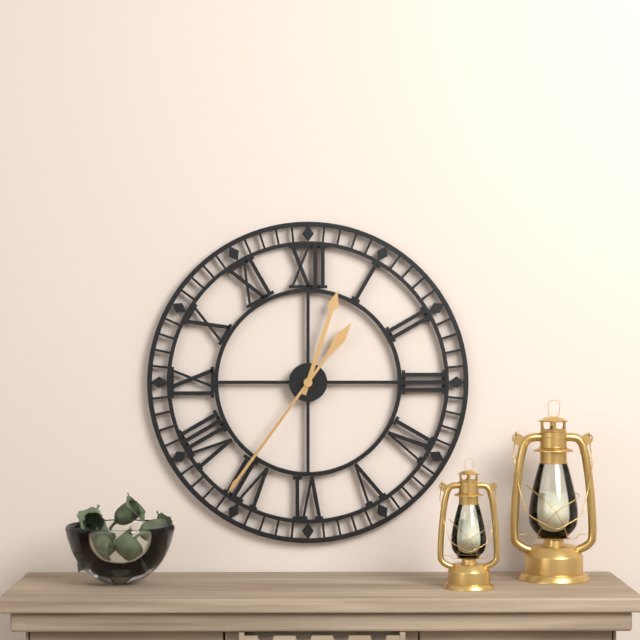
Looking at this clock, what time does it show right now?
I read 12:36
